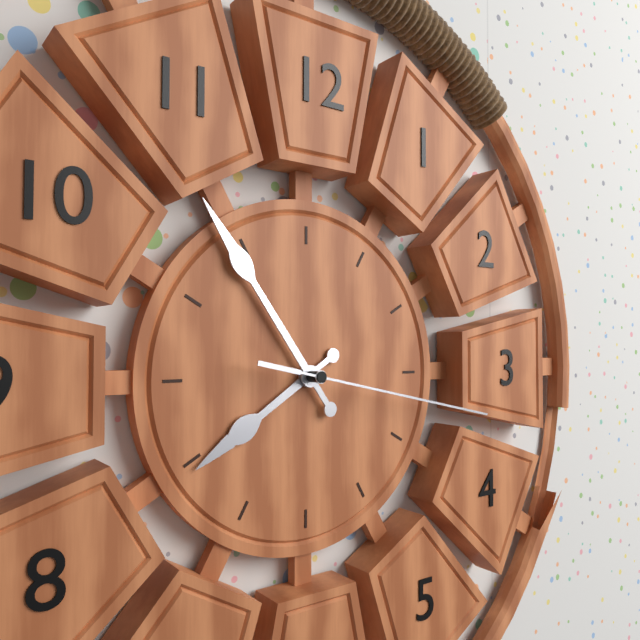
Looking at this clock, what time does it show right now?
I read 7:54:17
